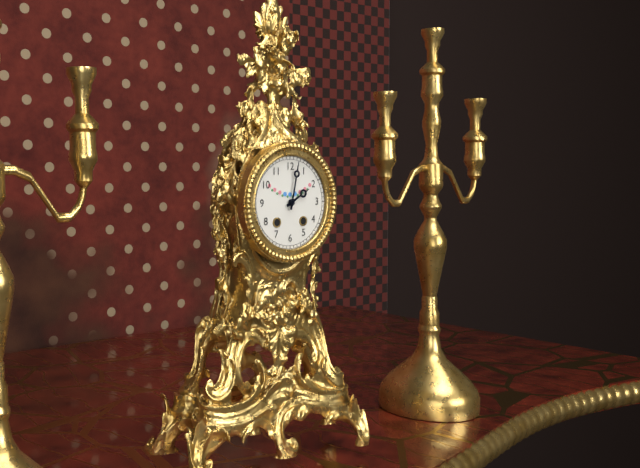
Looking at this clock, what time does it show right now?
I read 2:02
